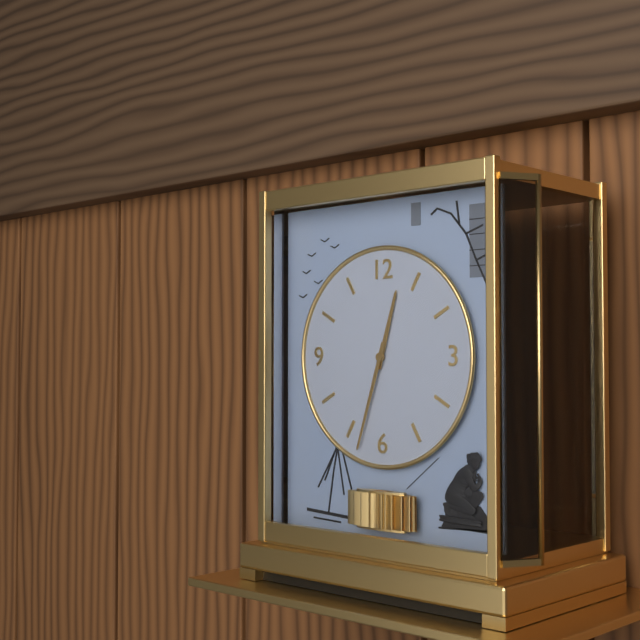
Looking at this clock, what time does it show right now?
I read 12:33
